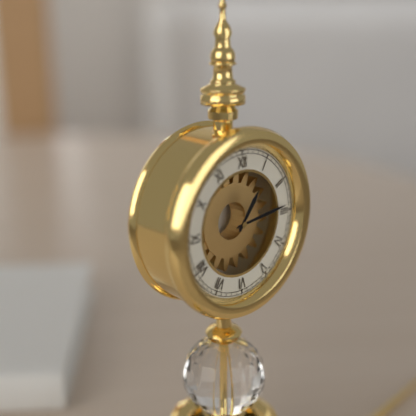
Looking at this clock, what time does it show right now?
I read 1:14
